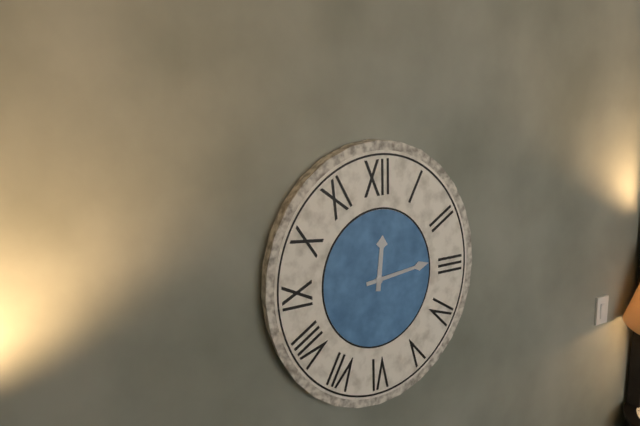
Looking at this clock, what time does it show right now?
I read 12:14
